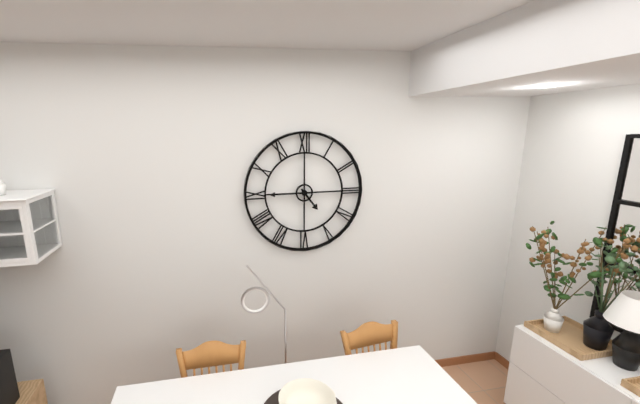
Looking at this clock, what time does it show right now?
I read 4:45
